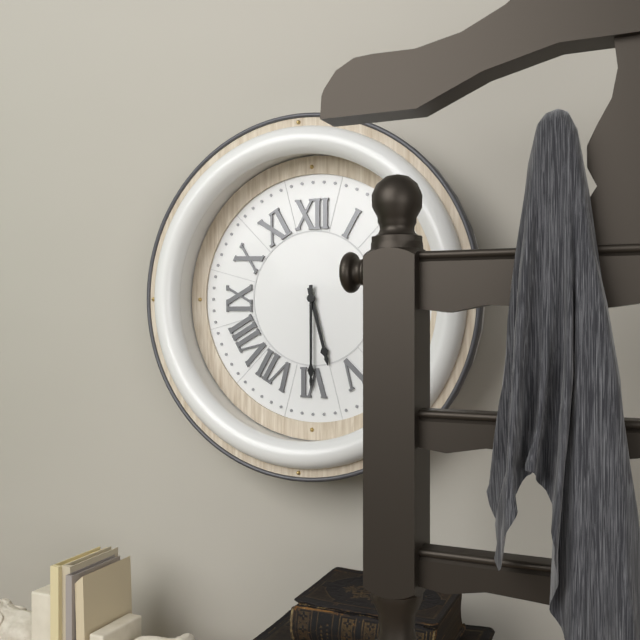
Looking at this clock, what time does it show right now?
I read 5:30
